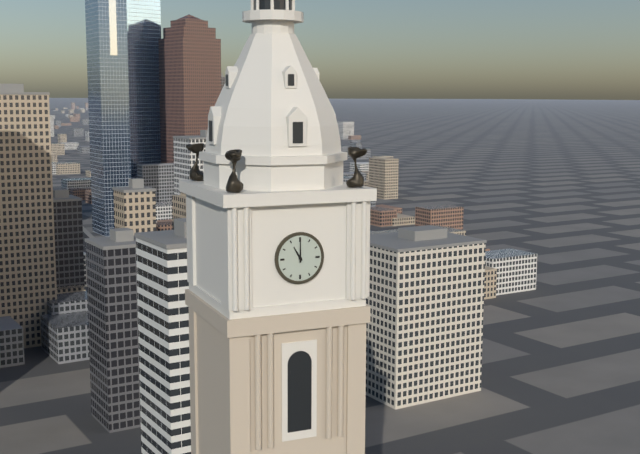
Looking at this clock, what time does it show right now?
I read 11:00
